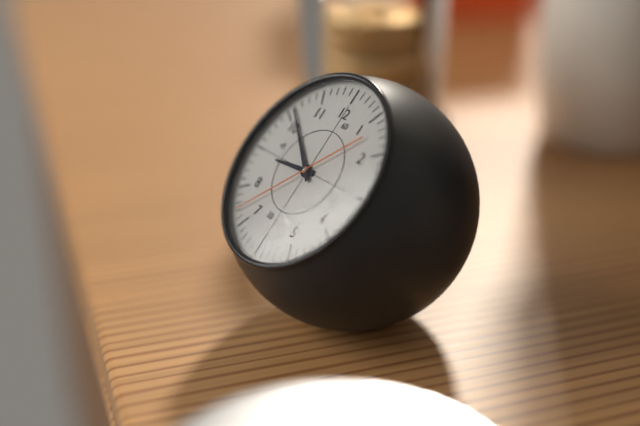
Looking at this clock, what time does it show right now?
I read 8:51:37
